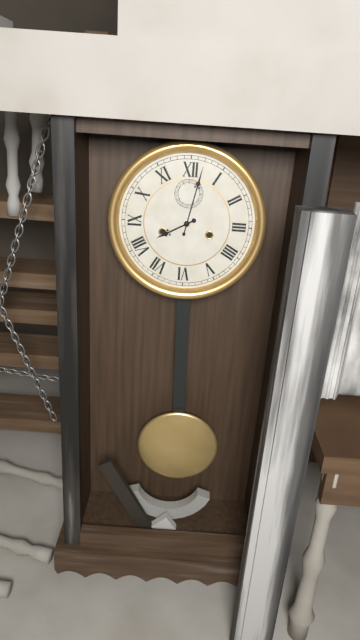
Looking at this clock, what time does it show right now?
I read 8:02
